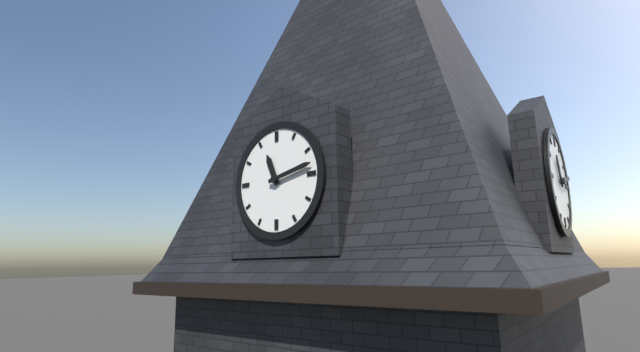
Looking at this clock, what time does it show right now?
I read 11:13
